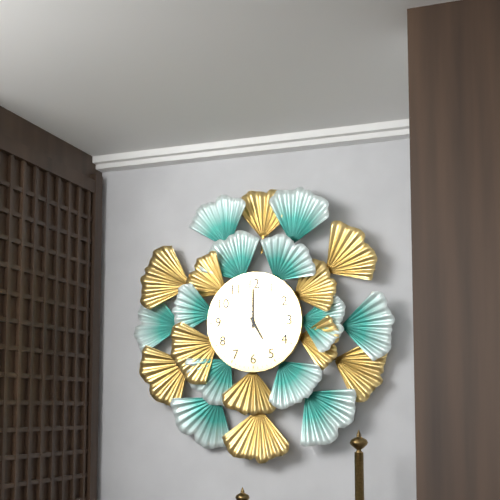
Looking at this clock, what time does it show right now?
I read 5:00
